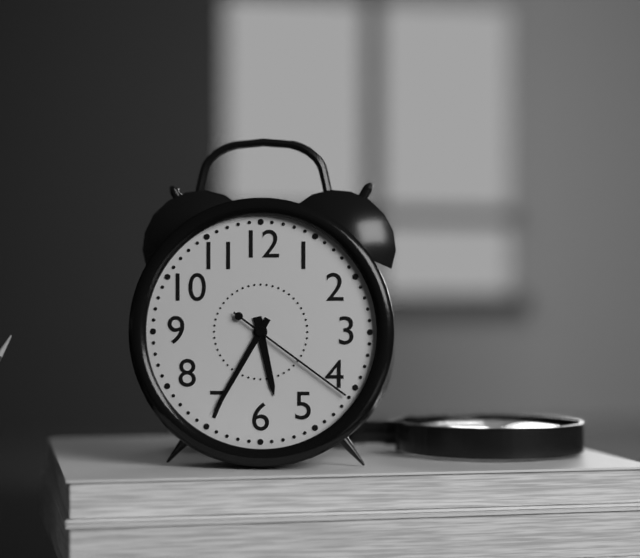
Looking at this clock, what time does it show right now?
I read 5:35:21
